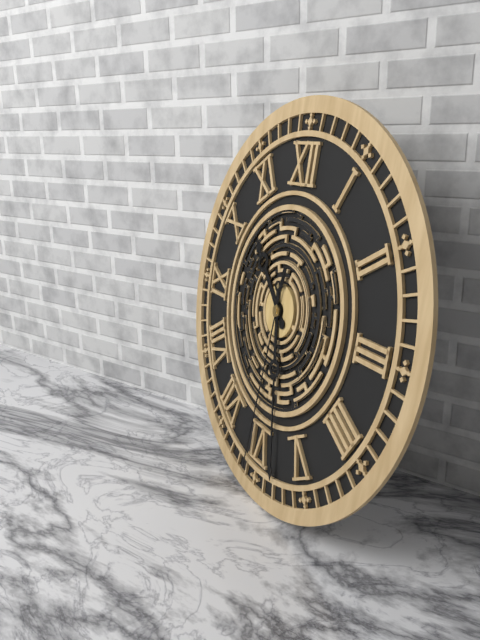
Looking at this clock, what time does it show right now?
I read 10:28:31
